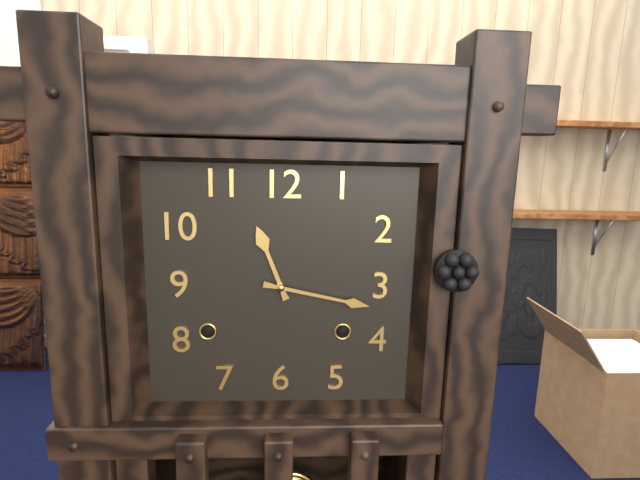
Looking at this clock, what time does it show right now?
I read 11:17
